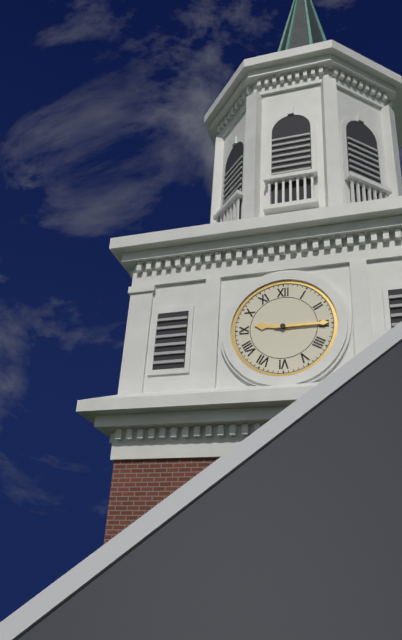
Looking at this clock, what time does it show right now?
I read 9:15
